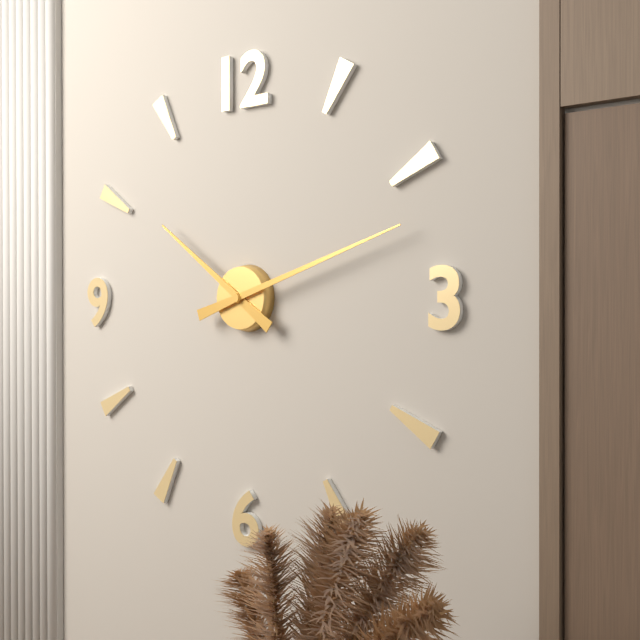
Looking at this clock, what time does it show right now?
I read 10:12
